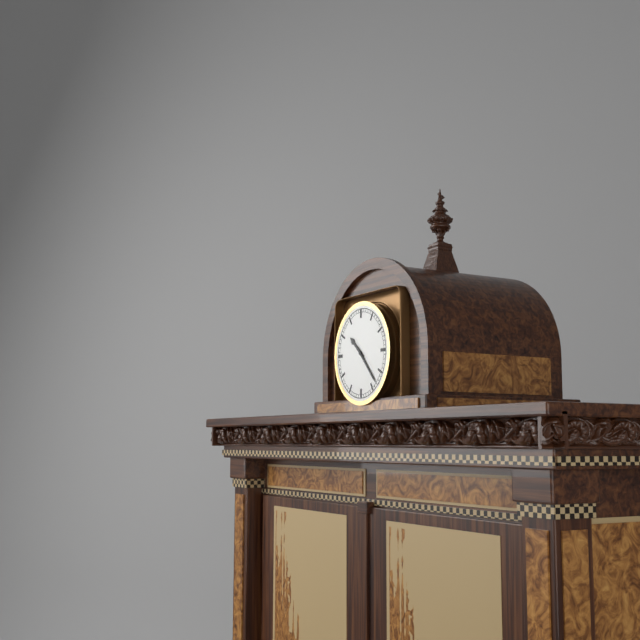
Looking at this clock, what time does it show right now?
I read 10:23
